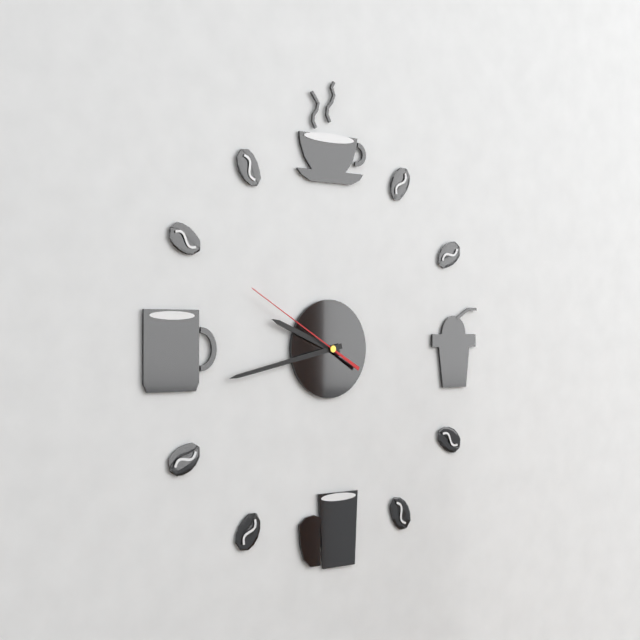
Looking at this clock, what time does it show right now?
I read 9:43:50
